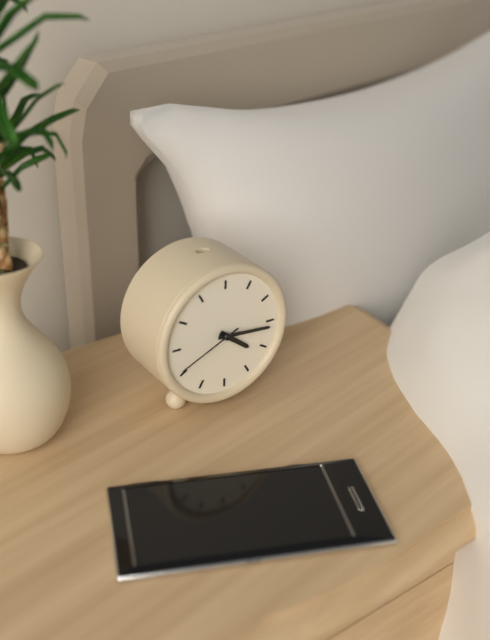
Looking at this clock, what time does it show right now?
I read 4:16:41
